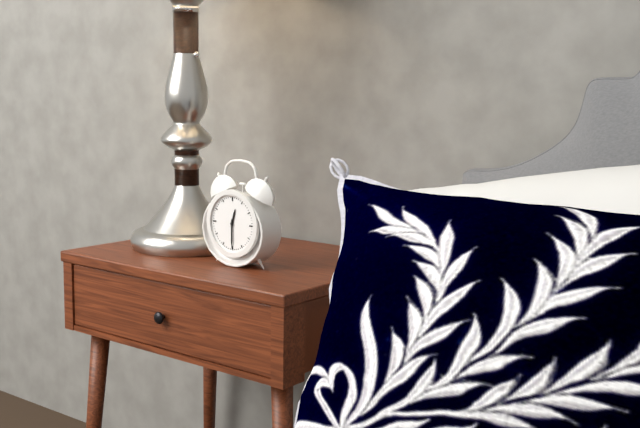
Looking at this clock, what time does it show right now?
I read 12:30
